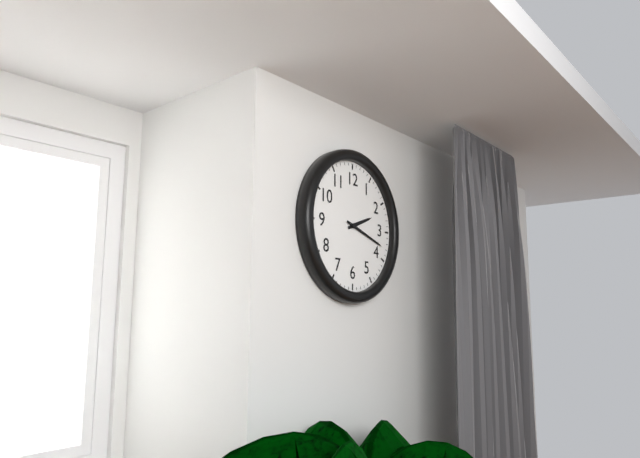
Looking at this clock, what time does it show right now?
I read 2:18
